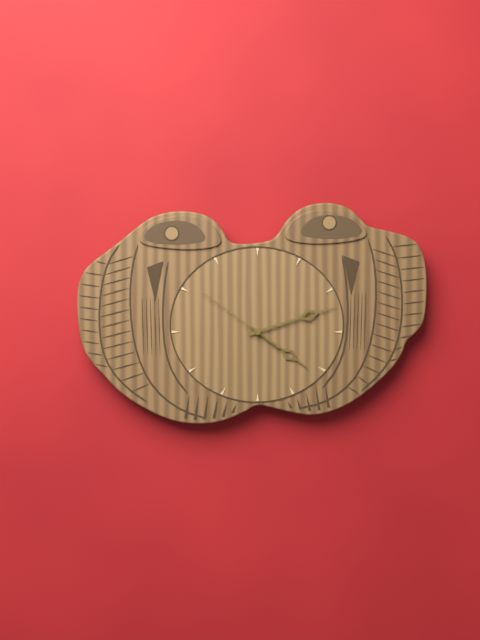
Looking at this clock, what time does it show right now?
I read 4:12:51
